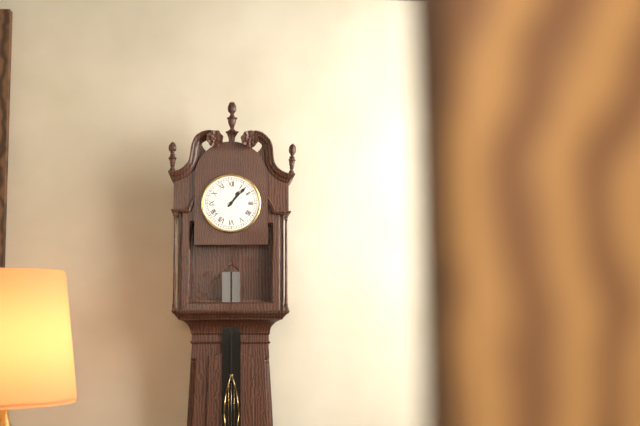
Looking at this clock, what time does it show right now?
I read 1:07
